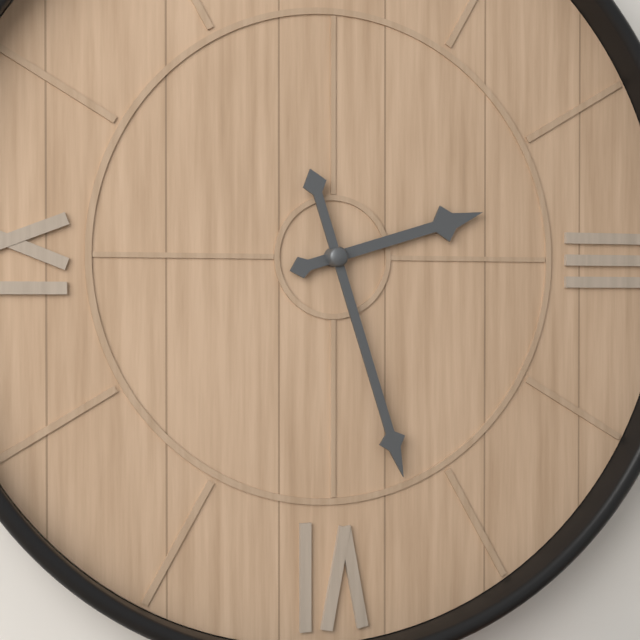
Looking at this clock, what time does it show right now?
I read 2:27
